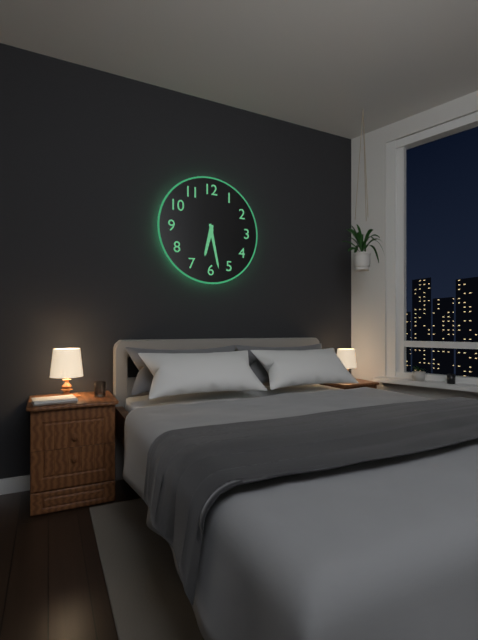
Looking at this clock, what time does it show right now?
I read 6:28
